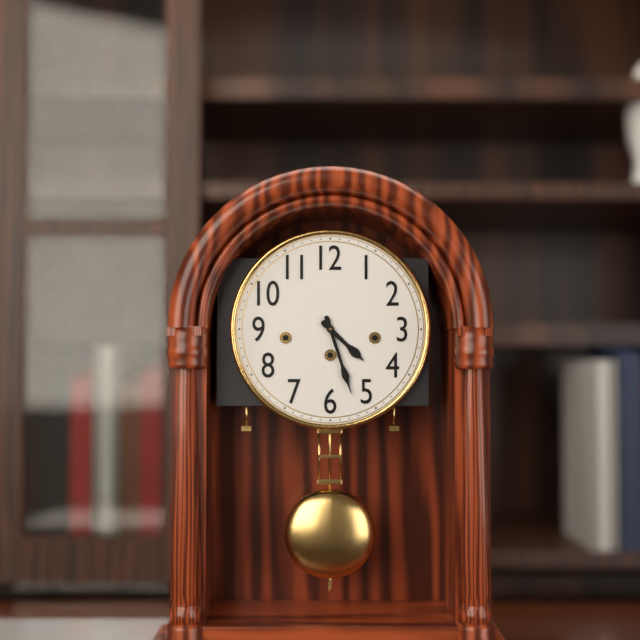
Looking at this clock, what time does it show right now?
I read 4:27
